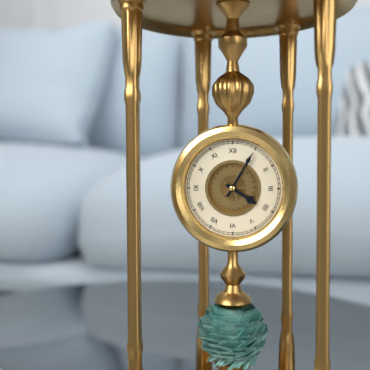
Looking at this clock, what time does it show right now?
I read 4:05
